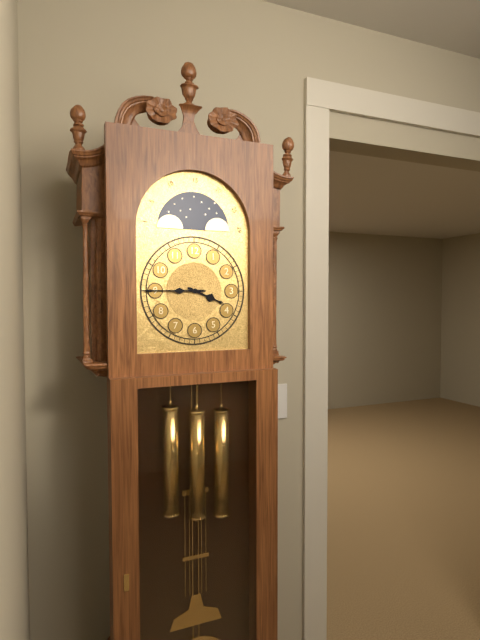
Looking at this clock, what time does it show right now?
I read 3:45
